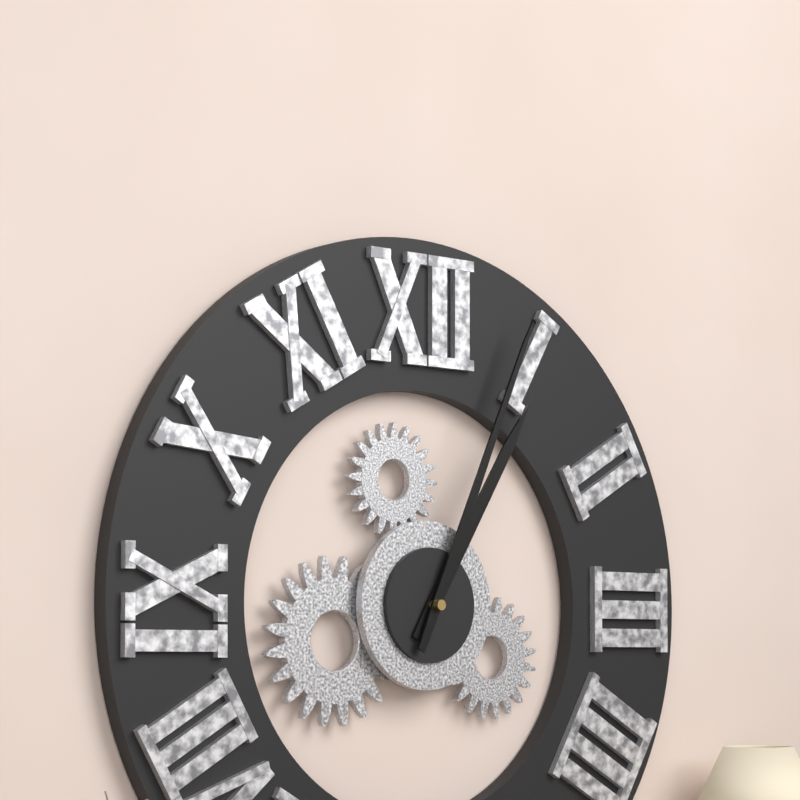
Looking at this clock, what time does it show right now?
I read 1:04
